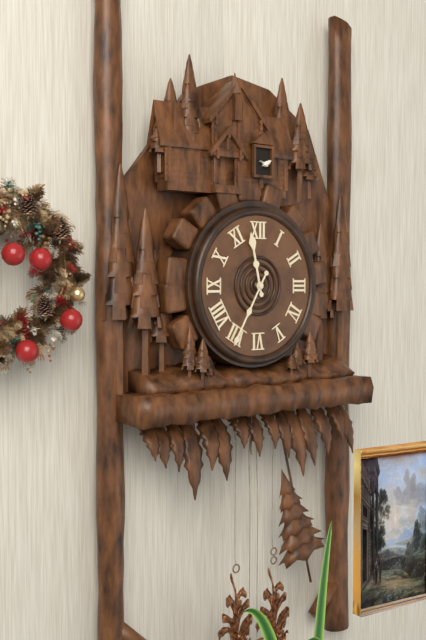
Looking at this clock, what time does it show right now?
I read 11:35
